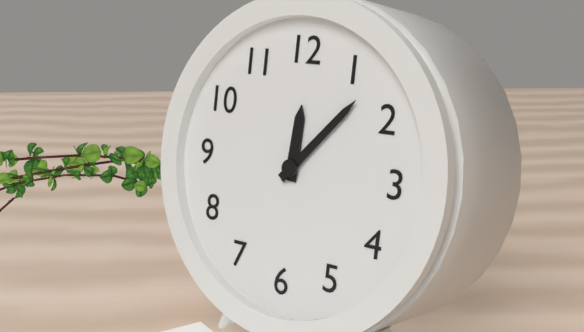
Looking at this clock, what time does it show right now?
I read 12:07
